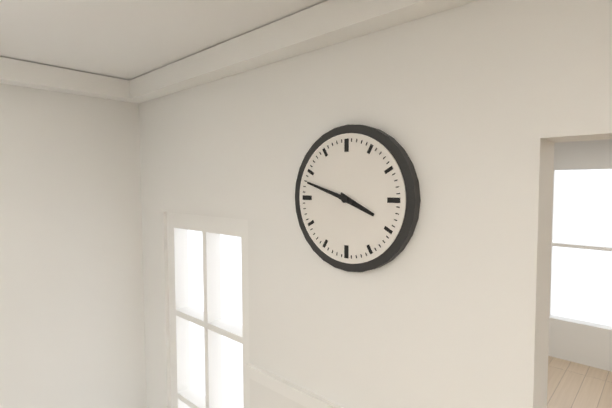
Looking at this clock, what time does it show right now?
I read 3:48
